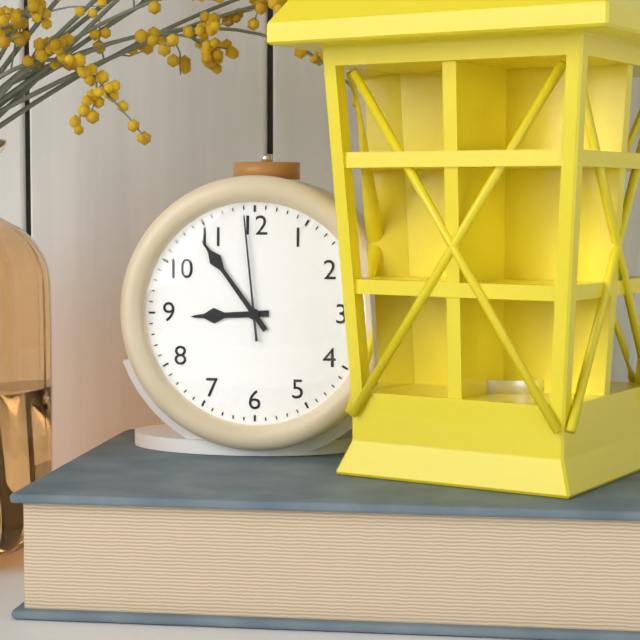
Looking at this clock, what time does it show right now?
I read 8:54:59
